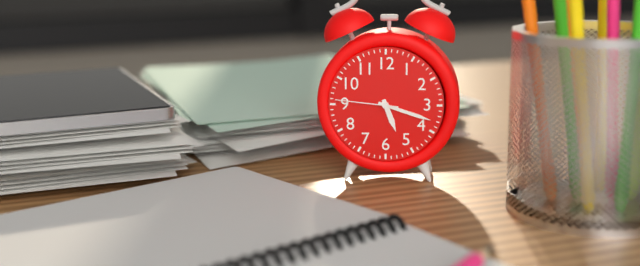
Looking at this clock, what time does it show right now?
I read 5:18:46
